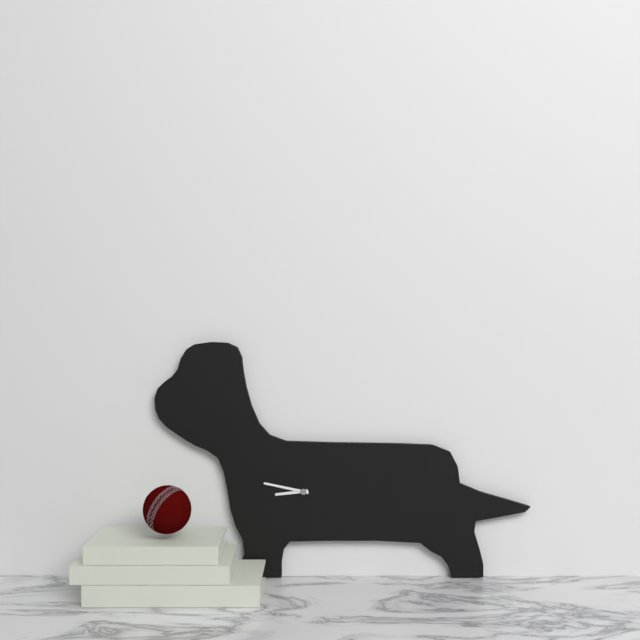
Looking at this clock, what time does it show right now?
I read 8:47
